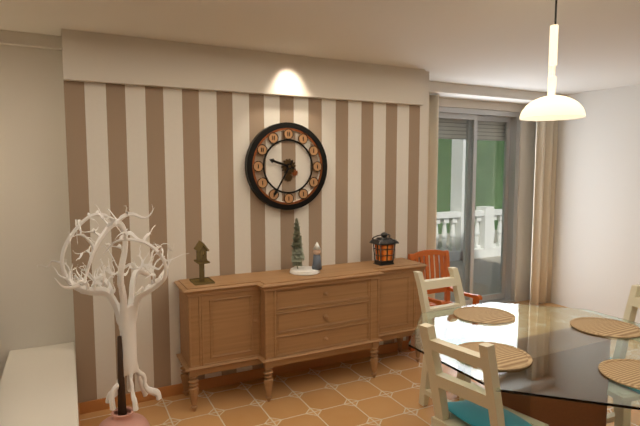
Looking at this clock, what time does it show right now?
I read 9:35
